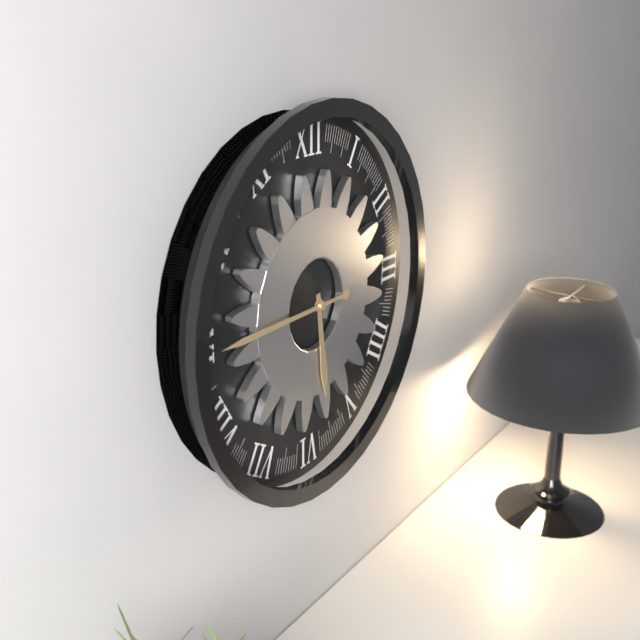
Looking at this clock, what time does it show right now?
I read 5:45
